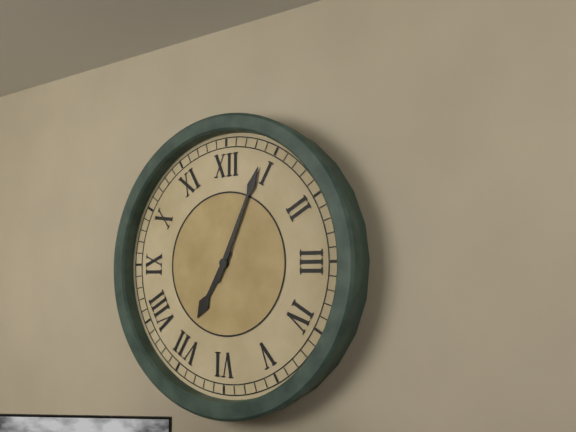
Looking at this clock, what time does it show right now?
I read 7:04
